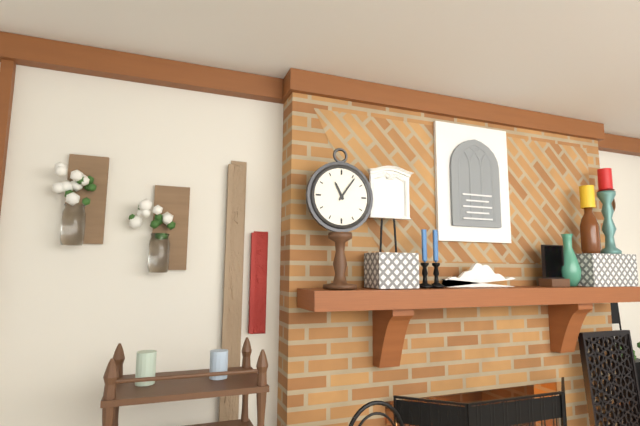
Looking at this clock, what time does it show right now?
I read 11:06
